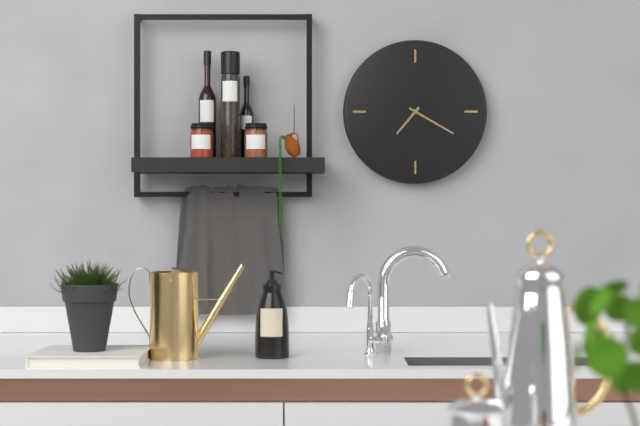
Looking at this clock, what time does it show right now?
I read 7:20
